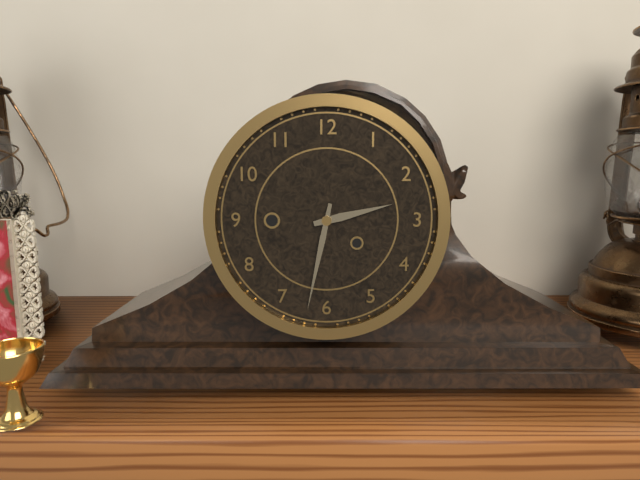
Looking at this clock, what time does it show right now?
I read 2:32
